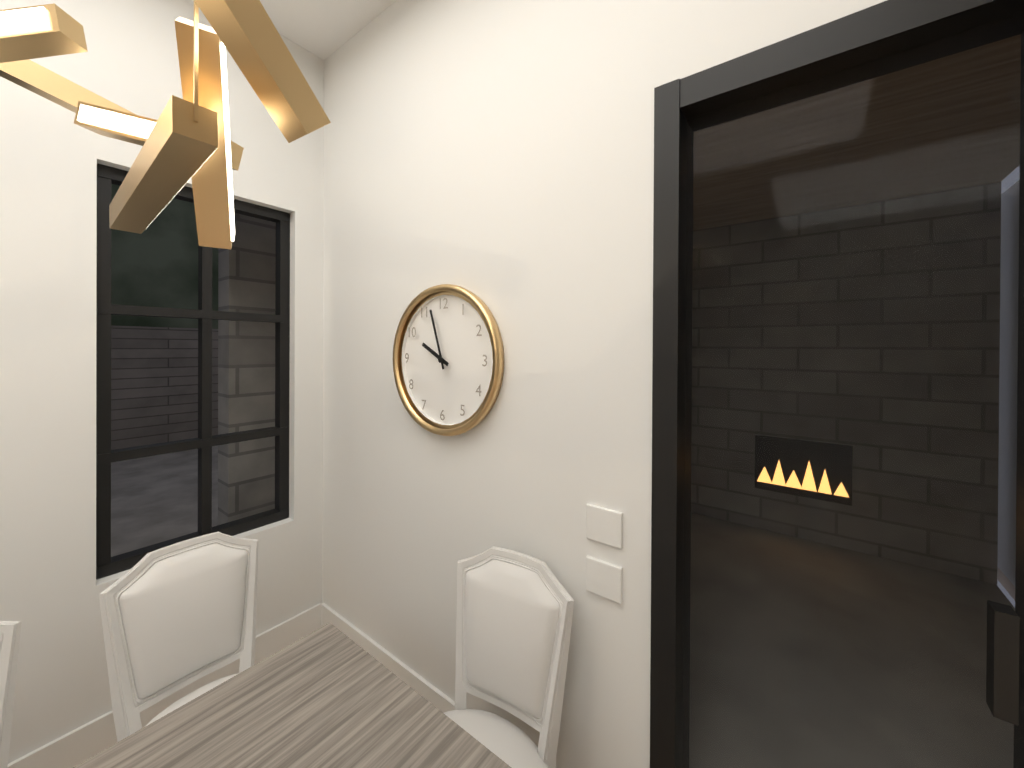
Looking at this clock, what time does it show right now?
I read 9:57
